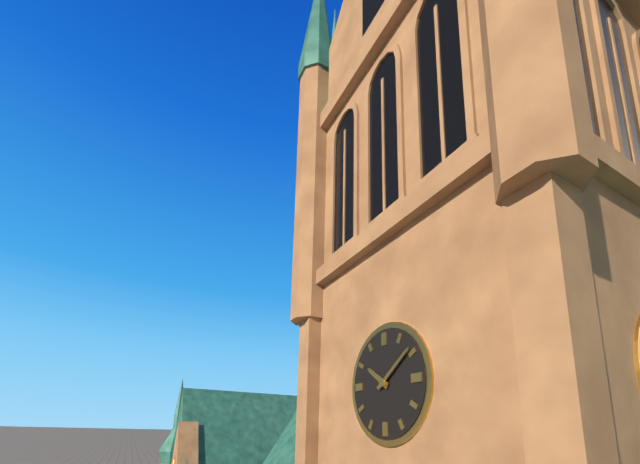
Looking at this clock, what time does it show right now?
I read 10:09
